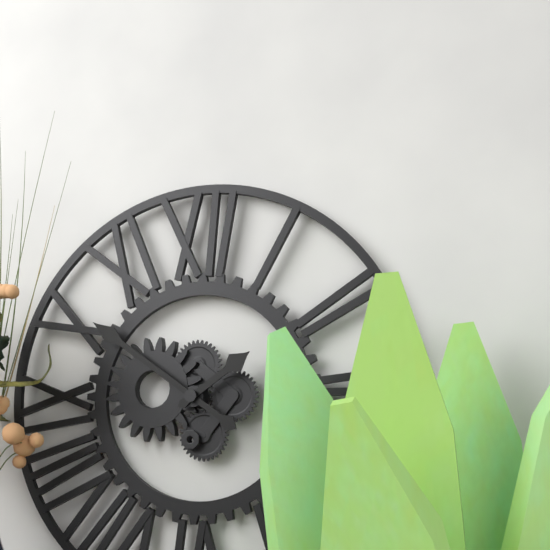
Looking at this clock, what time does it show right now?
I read 1:51
